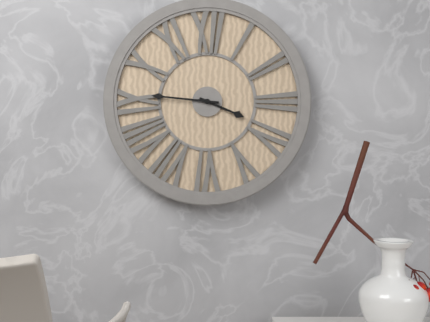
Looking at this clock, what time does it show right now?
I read 3:46
